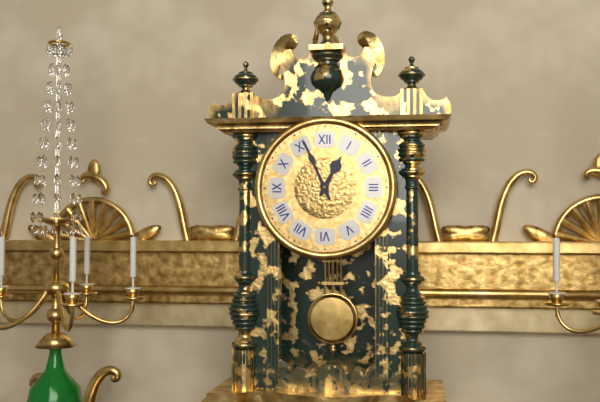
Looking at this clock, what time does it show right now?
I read 12:56
